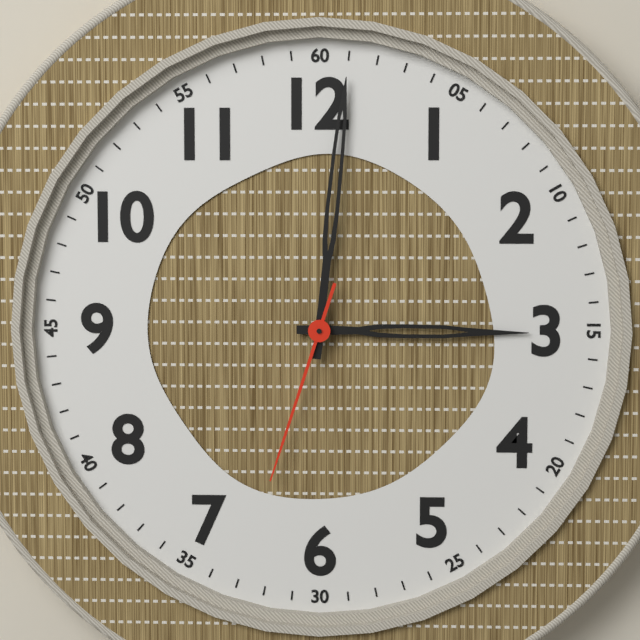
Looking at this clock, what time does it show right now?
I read 3:01:33
